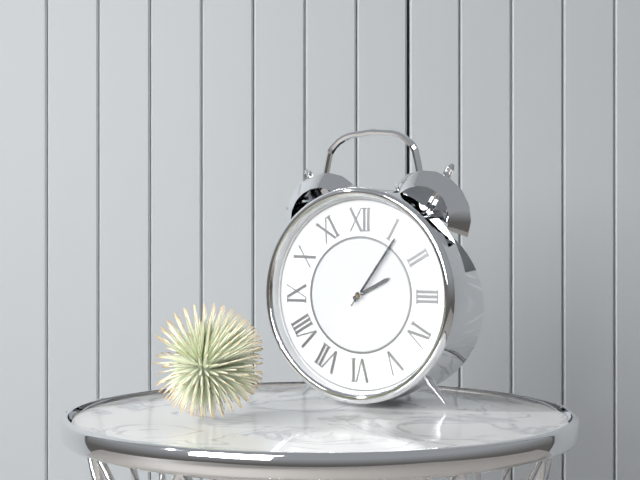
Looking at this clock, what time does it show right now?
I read 2:06:06
